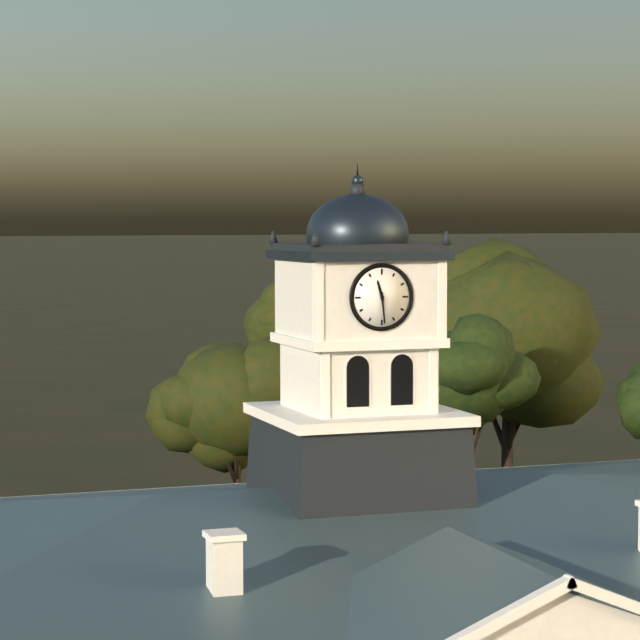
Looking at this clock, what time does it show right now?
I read 11:29
